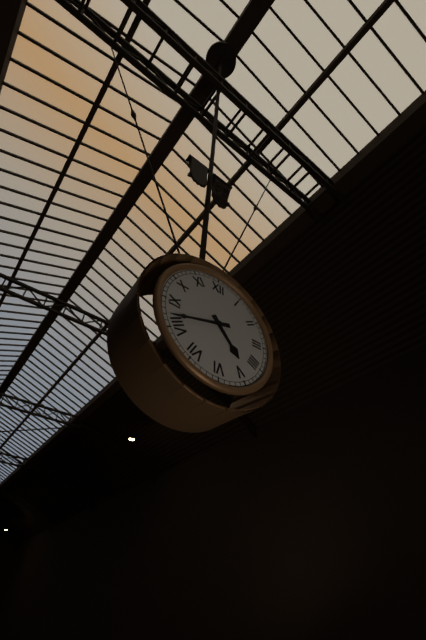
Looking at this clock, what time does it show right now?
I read 4:42
